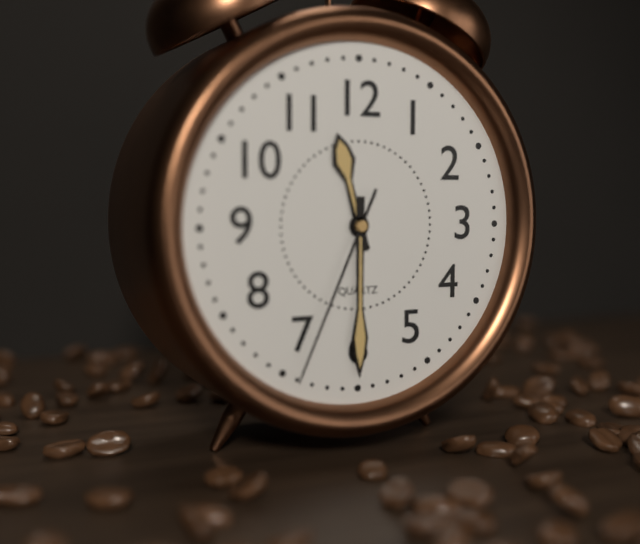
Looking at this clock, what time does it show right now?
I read 11:30:34
